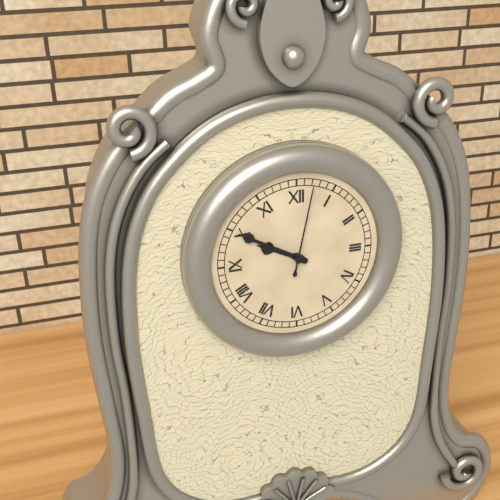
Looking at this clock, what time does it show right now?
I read 9:50:02
